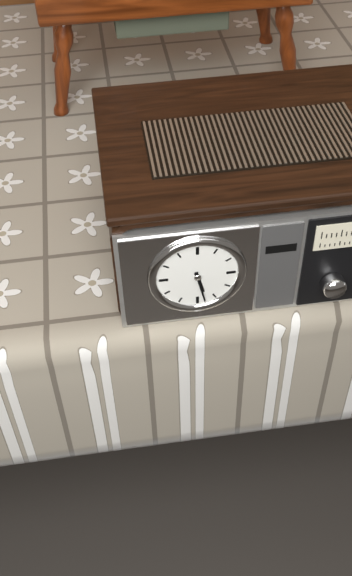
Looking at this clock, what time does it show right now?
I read 5:28
